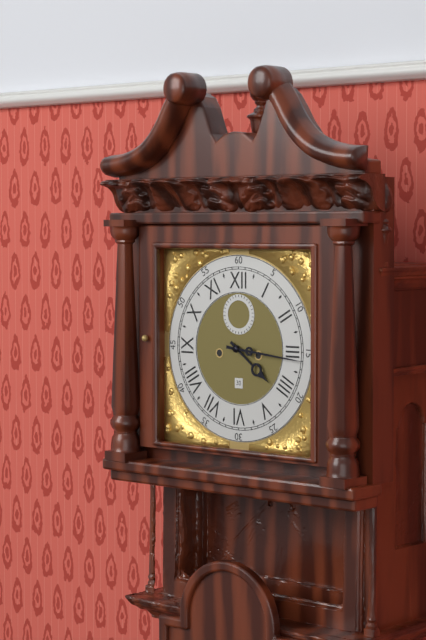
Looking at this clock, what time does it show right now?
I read 4:16
